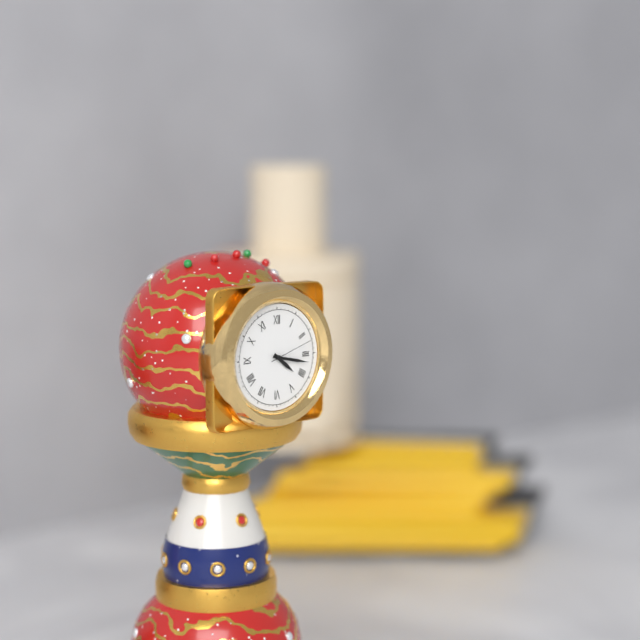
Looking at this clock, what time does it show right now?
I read 4:17
